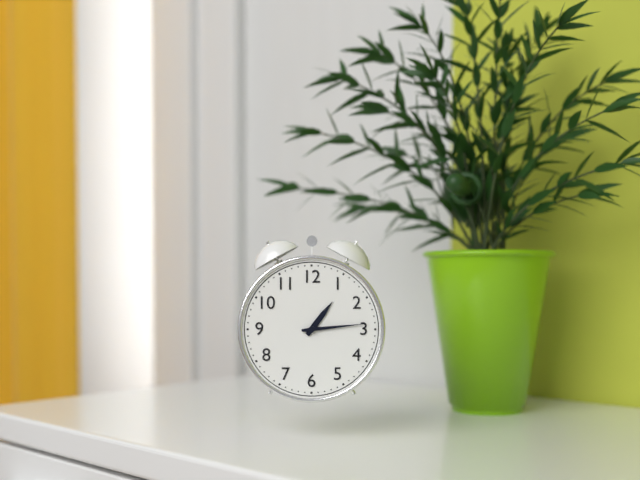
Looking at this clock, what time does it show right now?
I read 1:14
